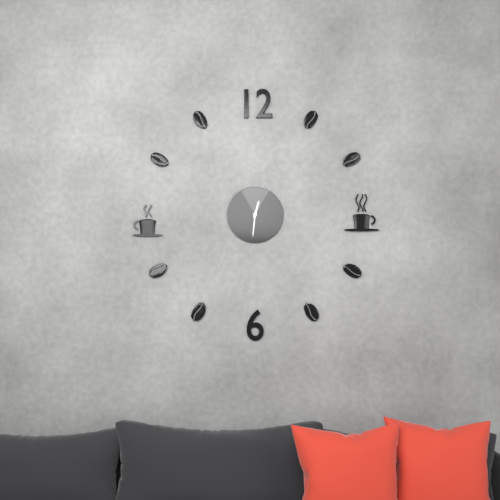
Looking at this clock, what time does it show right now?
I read 12:31
